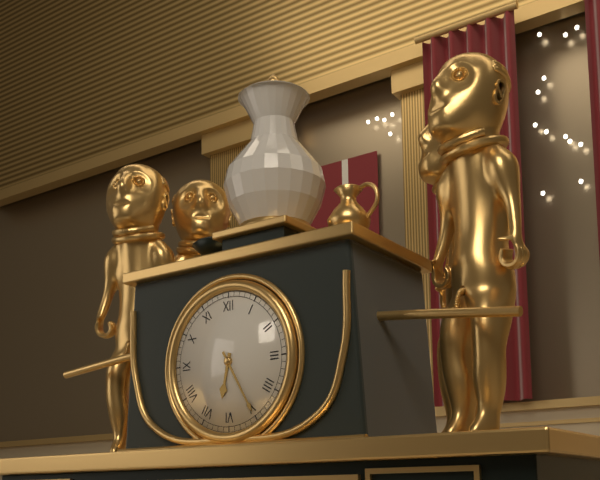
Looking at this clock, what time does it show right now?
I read 6:25
